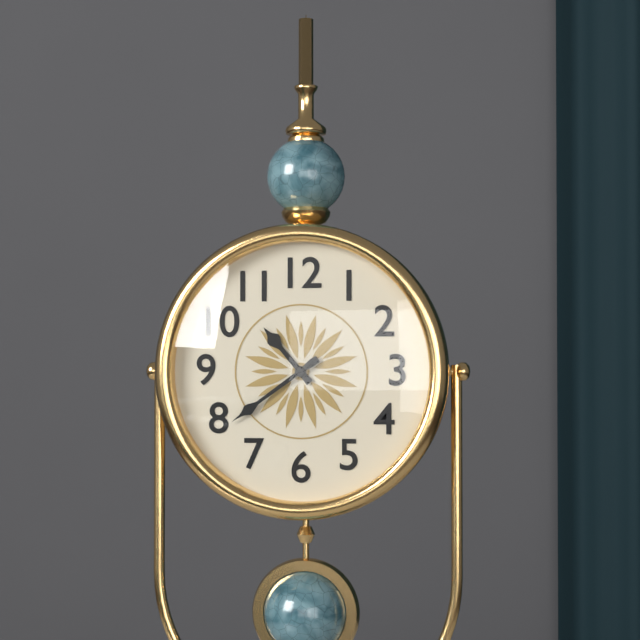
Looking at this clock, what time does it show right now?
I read 10:39
